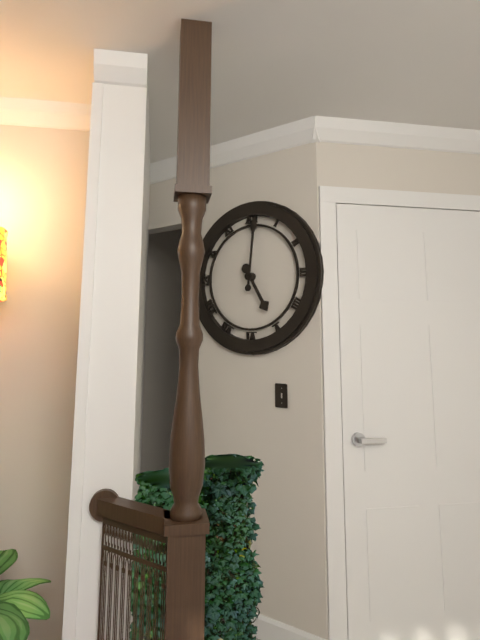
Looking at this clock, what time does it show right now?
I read 5:01
